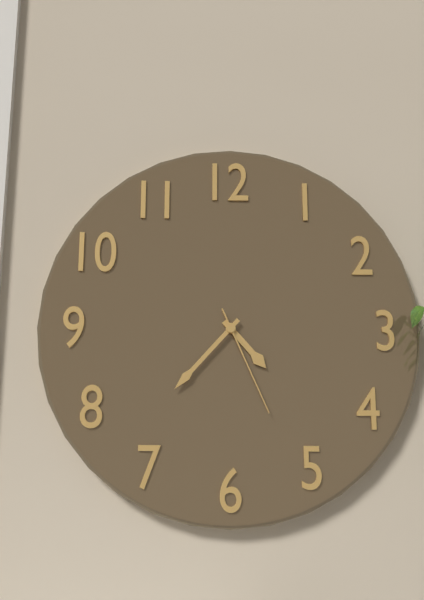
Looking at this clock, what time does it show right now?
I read 4:37:26
